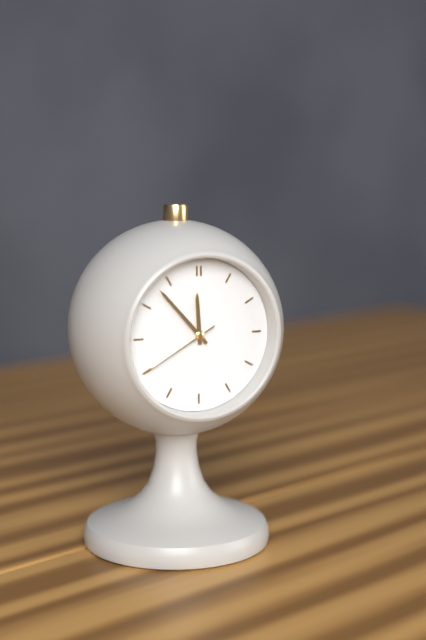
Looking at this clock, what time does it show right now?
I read 11:53:40
